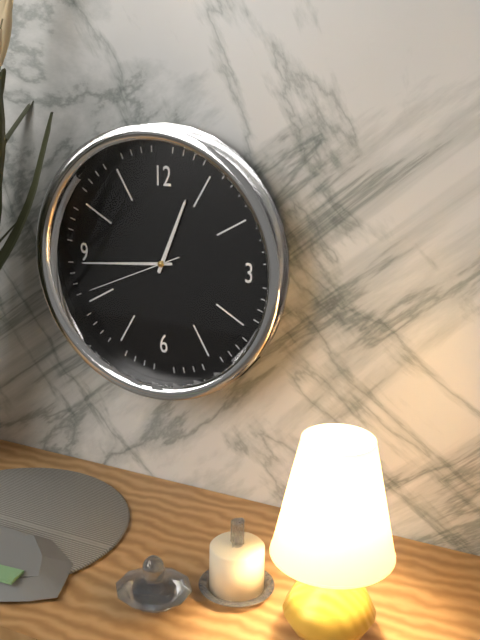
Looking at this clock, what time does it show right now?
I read 12:44:41
